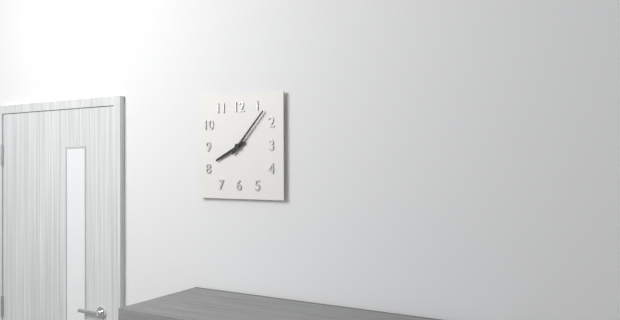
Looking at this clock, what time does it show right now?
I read 8:07
